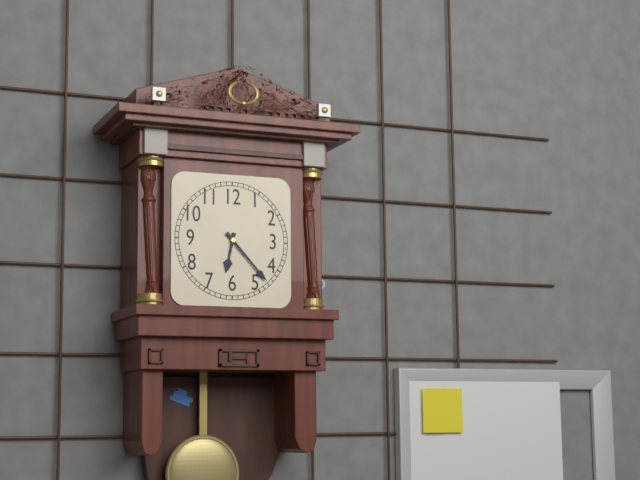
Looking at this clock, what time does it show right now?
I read 6:23
